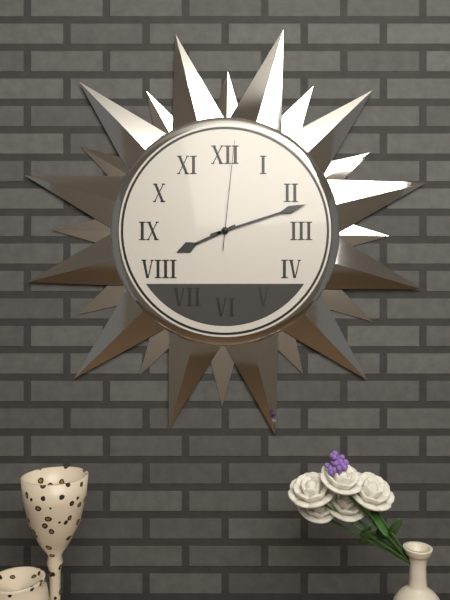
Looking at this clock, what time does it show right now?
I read 8:12:01
